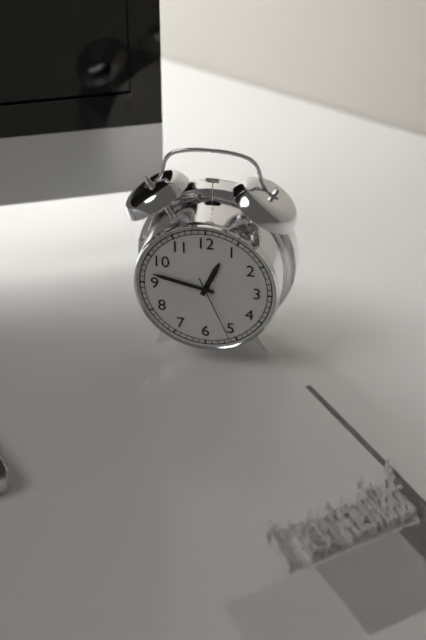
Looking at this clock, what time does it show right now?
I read 12:47:26
